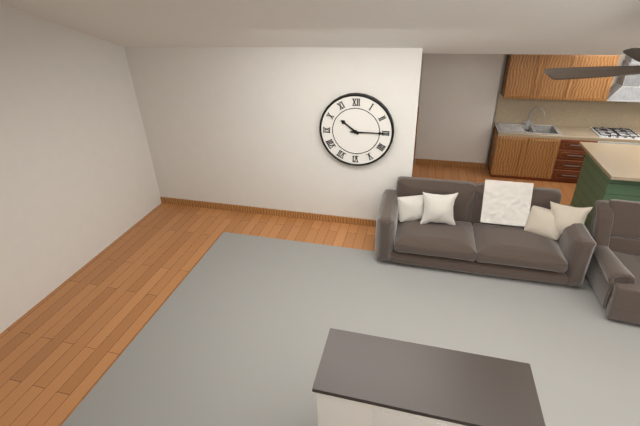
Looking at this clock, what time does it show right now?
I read 10:15
